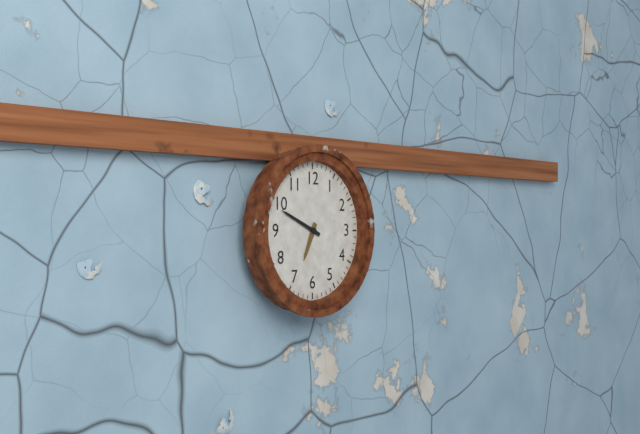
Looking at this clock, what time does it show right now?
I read 6:49
